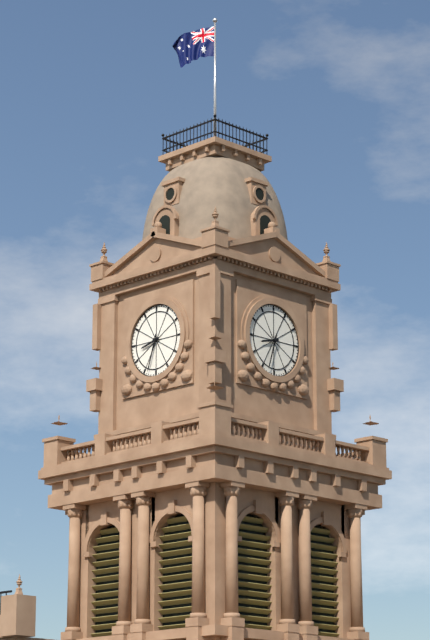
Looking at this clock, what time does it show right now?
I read 8:33
